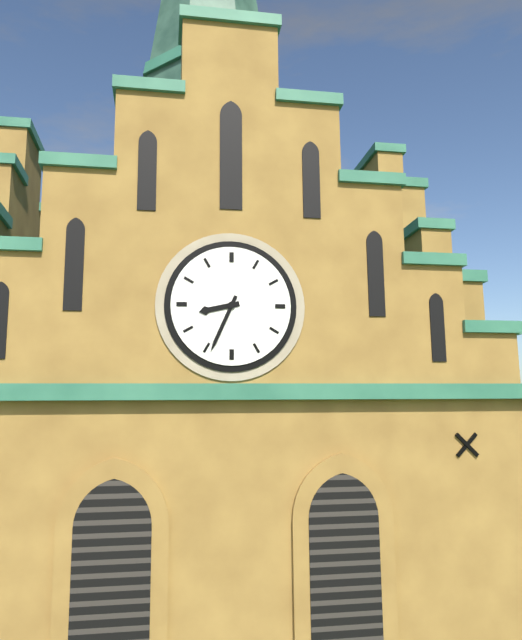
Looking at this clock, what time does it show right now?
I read 8:34
